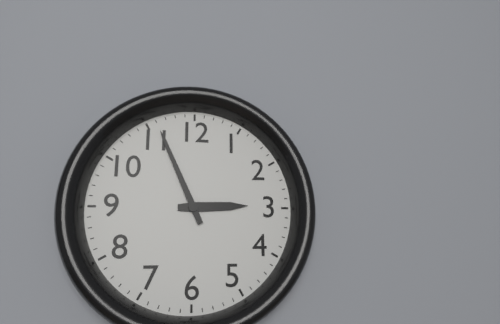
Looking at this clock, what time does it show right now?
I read 2:56
